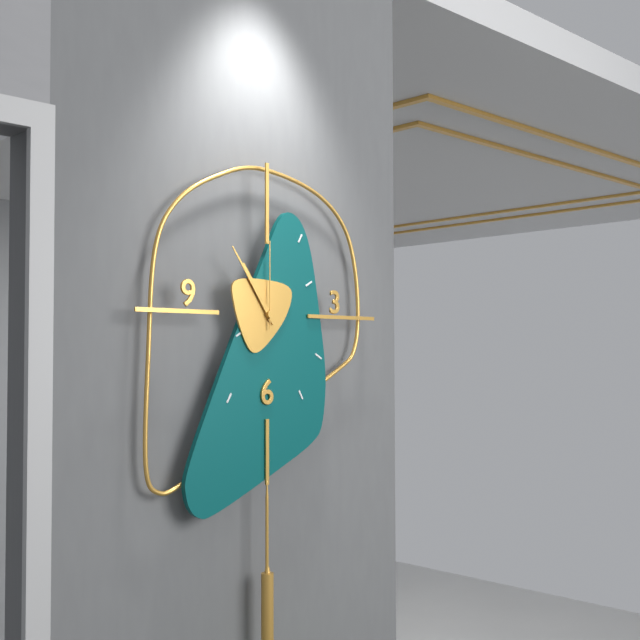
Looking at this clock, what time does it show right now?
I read 10:54:00
